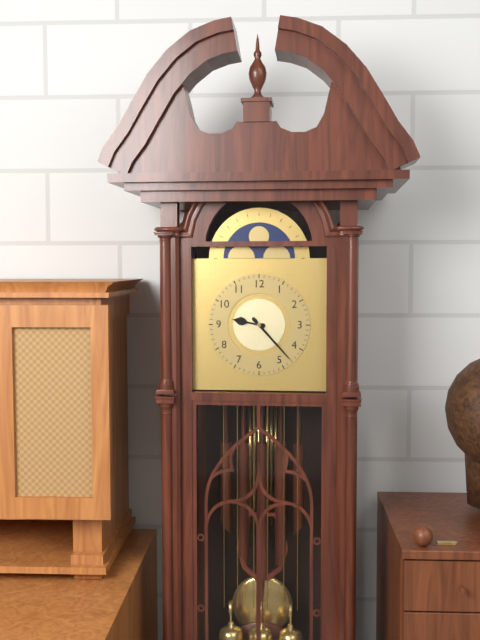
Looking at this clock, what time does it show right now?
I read 9:23
